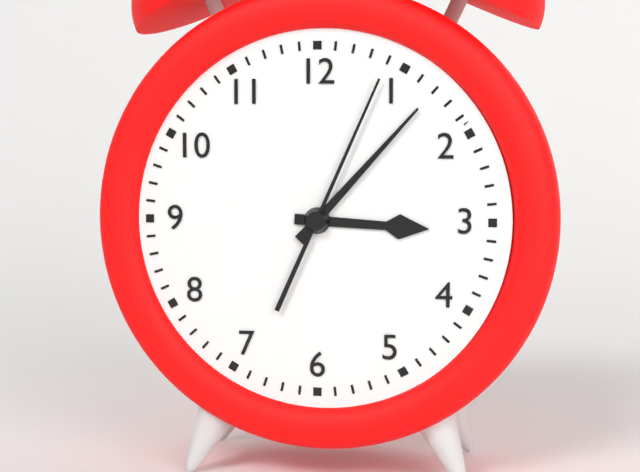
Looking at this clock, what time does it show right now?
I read 3:07:04
